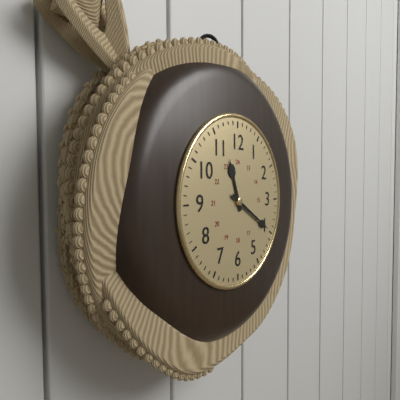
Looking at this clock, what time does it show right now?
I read 11:20
